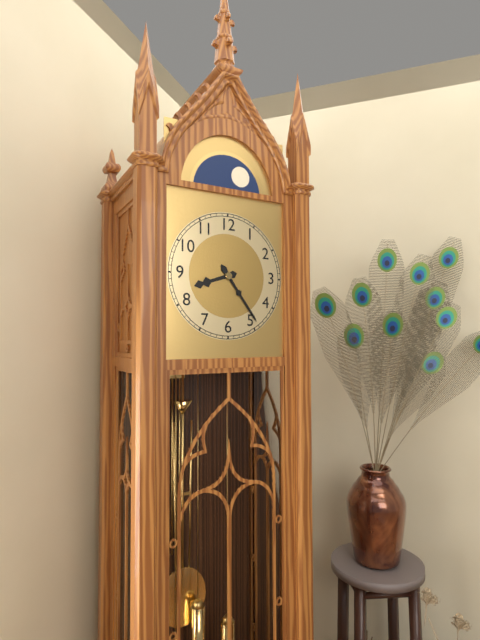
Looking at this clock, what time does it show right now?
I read 8:24
